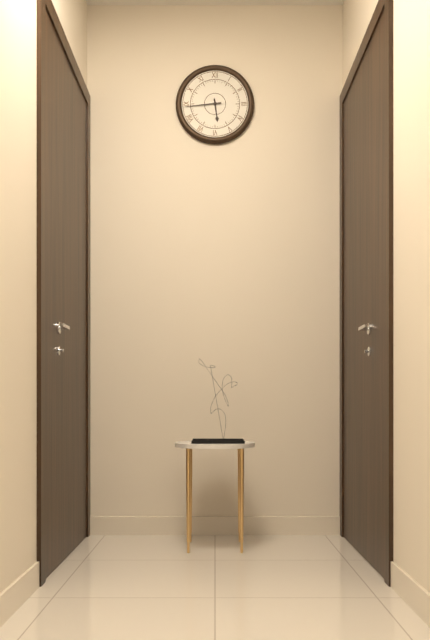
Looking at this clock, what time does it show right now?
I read 5:44
